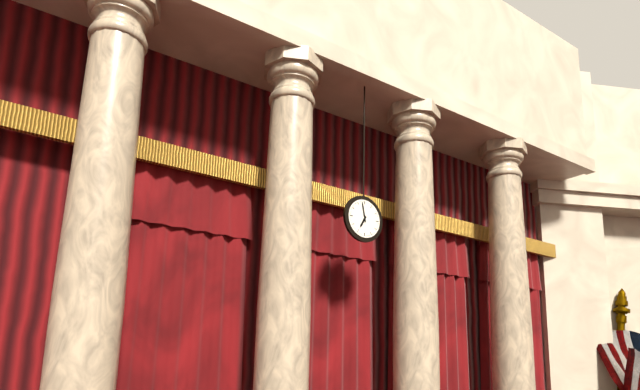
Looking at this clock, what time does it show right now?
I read 6:58
